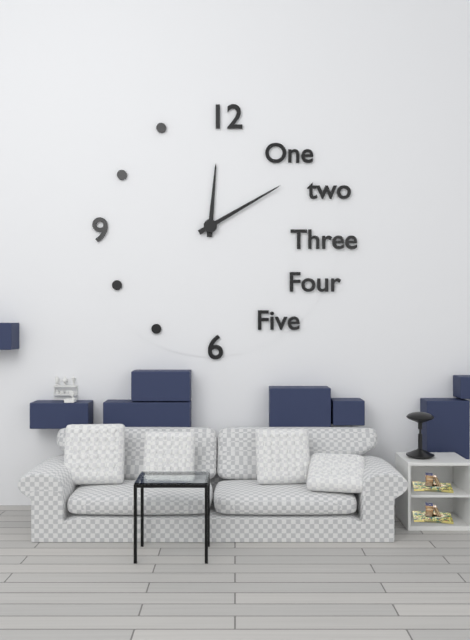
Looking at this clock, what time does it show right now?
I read 12:10
